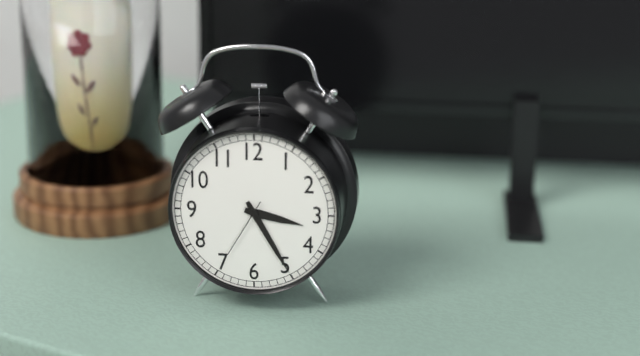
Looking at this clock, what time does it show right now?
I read 3:25:35
